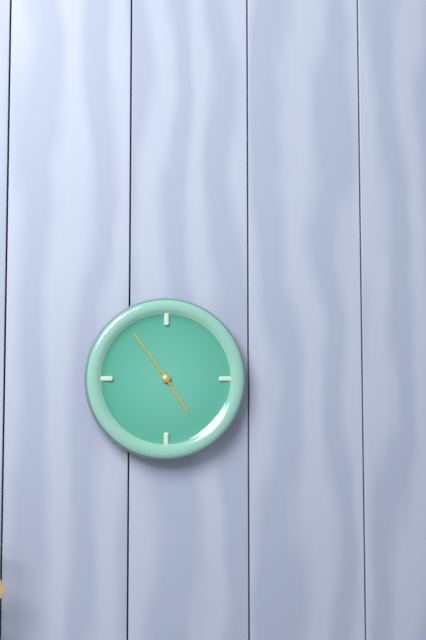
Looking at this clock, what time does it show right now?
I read 4:54
